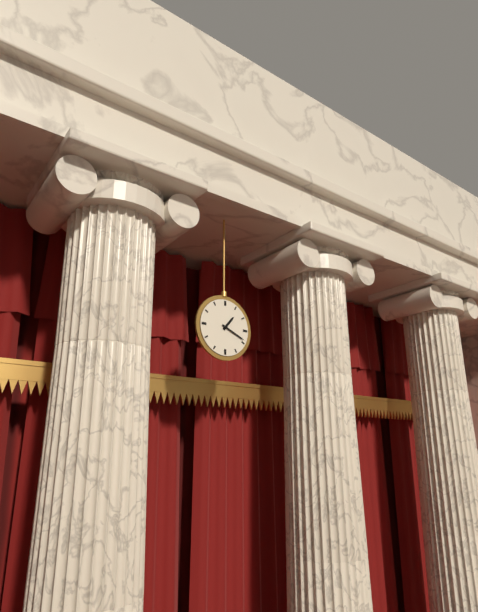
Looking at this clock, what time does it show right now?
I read 1:19
